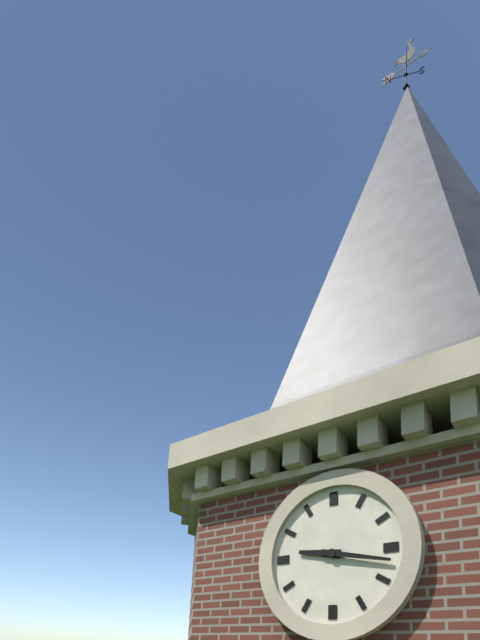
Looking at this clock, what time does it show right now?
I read 9:17
